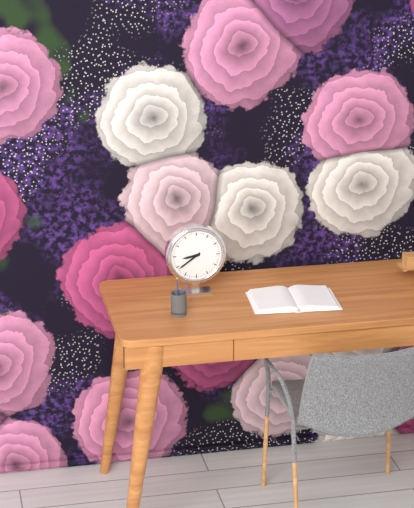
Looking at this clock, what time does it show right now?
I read 8:39
